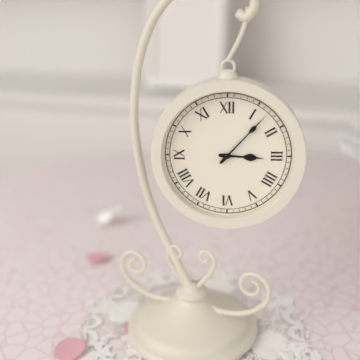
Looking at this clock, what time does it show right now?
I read 3:07
